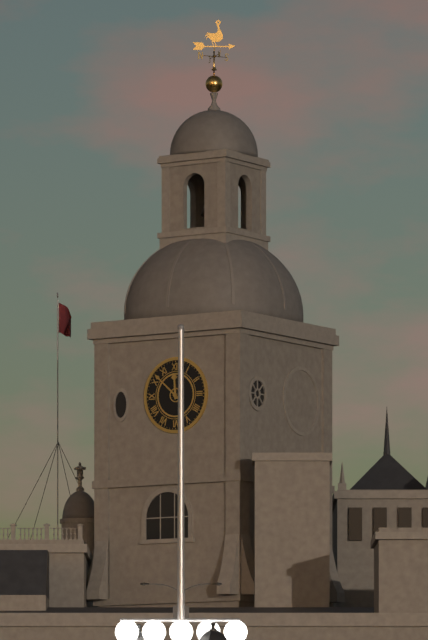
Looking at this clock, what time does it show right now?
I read 11:52
